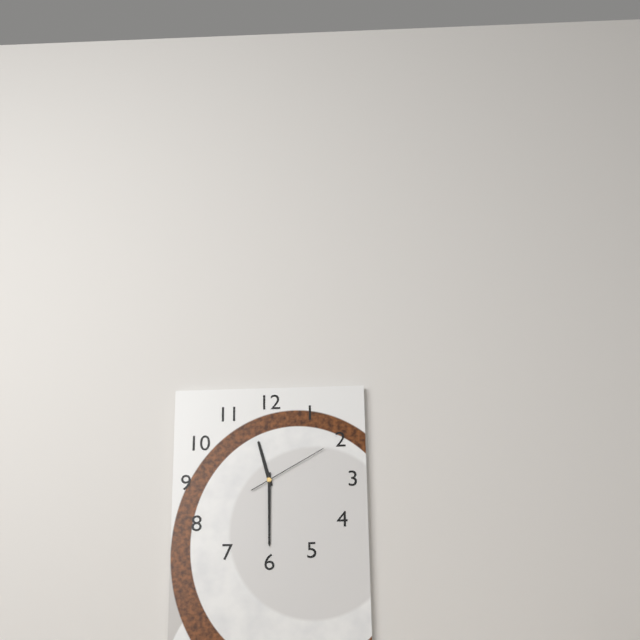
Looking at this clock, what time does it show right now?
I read 11:30:10
